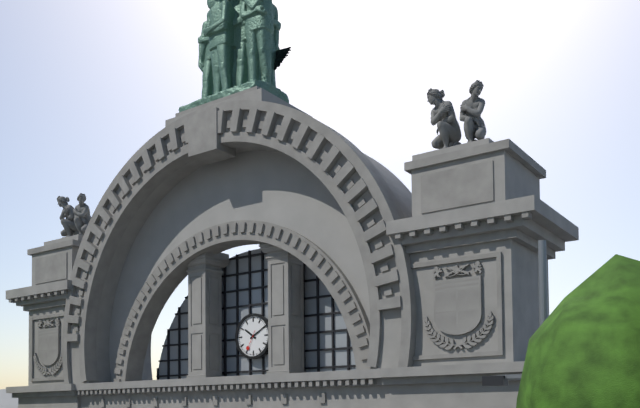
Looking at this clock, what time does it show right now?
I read 10:10
